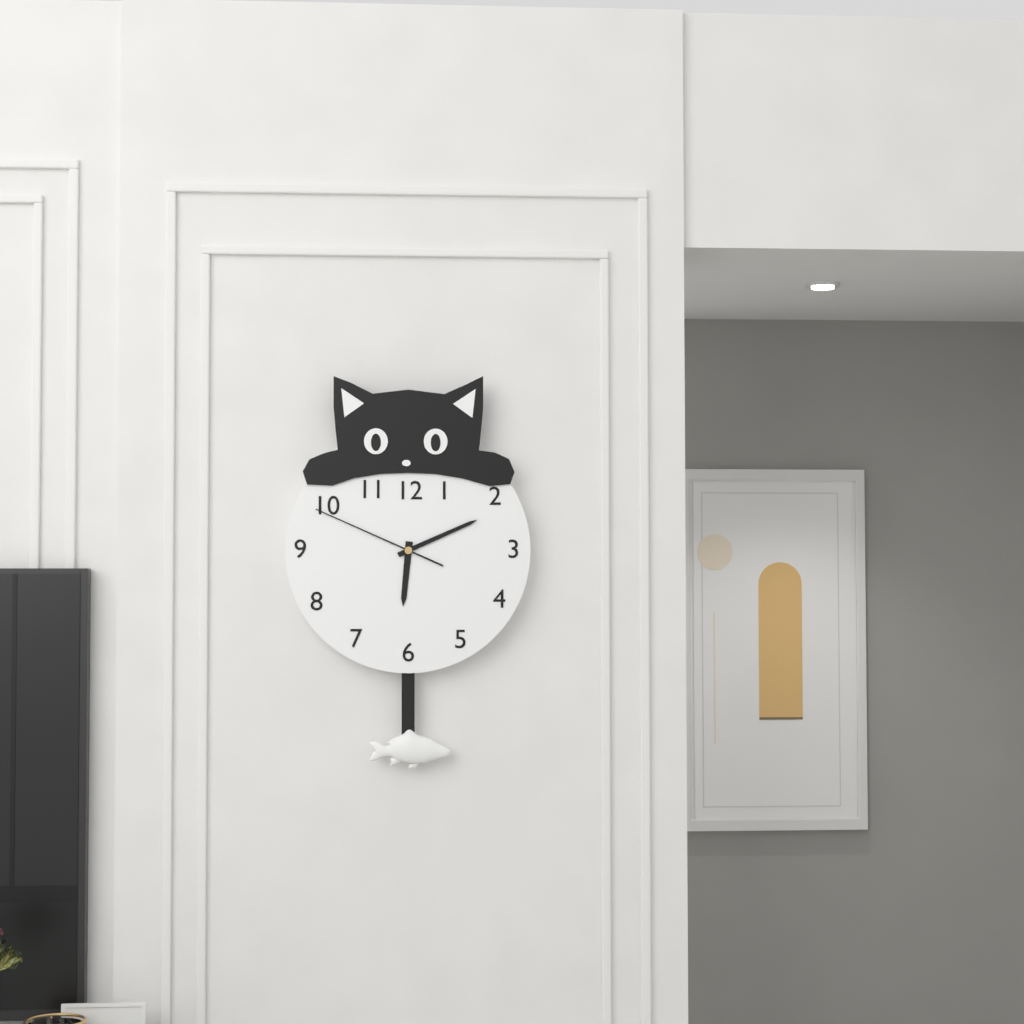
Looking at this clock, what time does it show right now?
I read 6:11:49
